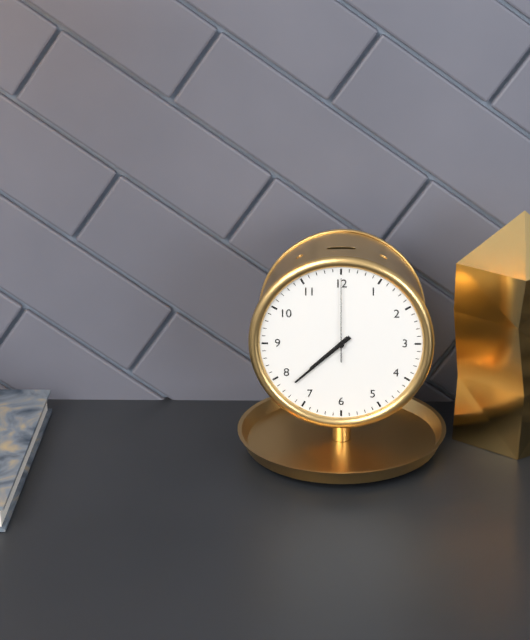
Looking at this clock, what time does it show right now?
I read 7:38:00
